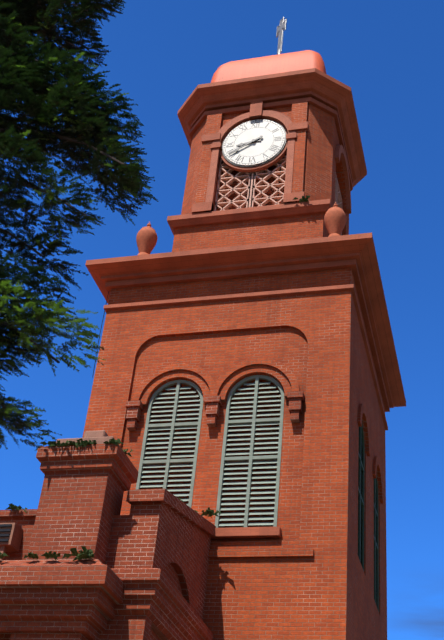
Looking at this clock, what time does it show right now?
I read 8:40
